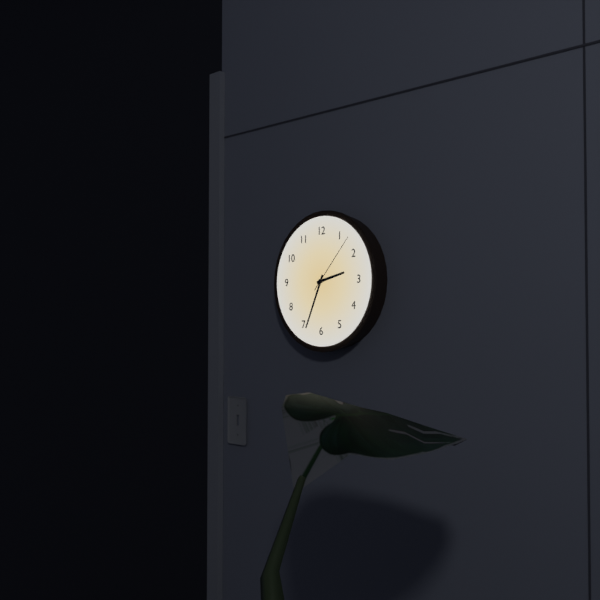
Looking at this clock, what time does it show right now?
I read 2:34:07
